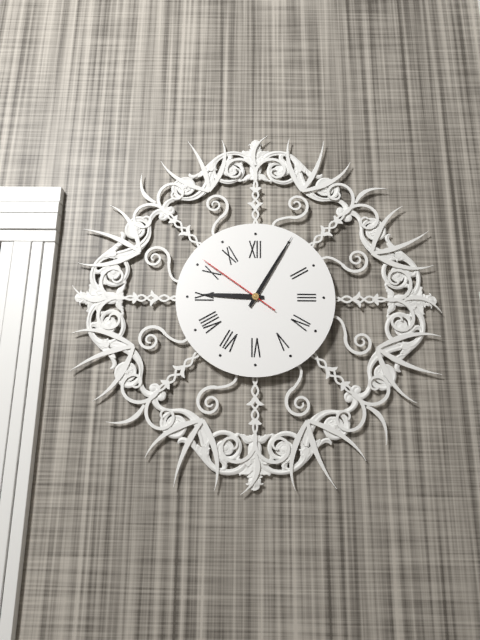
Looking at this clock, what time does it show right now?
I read 9:05:51
